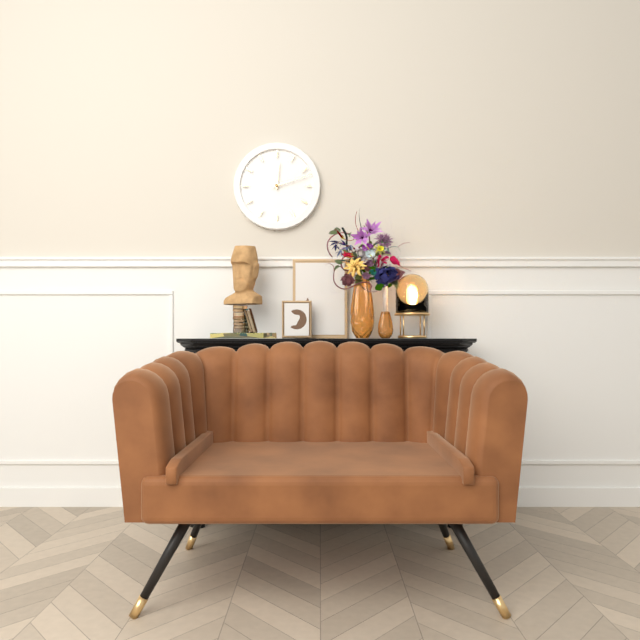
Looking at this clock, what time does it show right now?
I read 12:12
